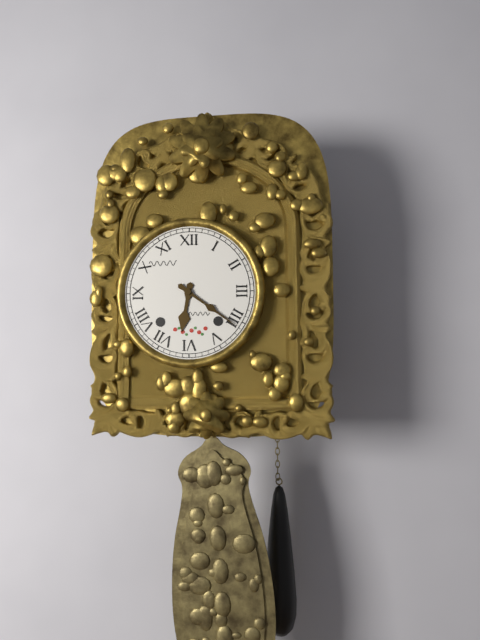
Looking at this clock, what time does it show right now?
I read 6:21
